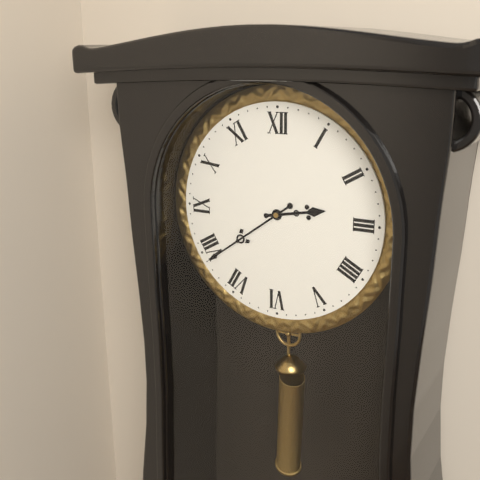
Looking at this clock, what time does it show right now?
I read 2:39
